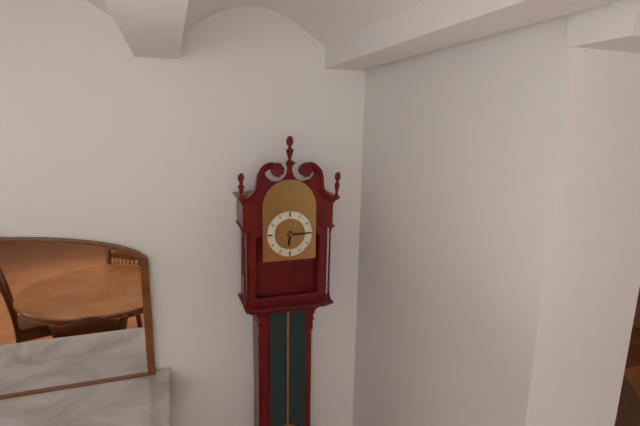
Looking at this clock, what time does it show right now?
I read 6:15
